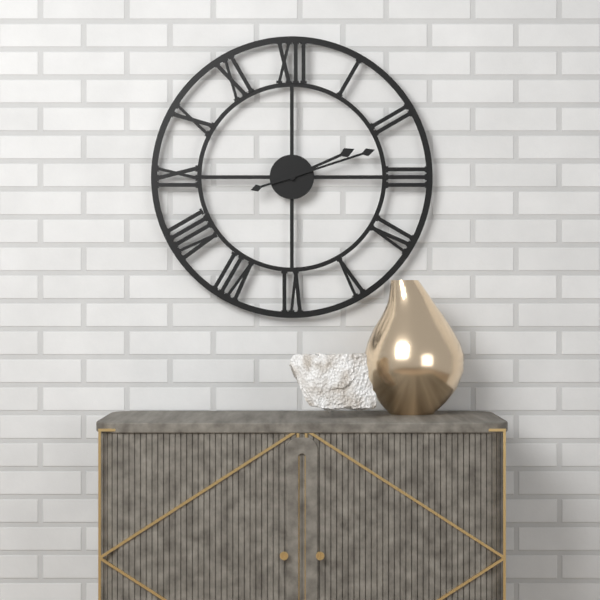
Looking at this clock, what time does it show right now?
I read 2:12
